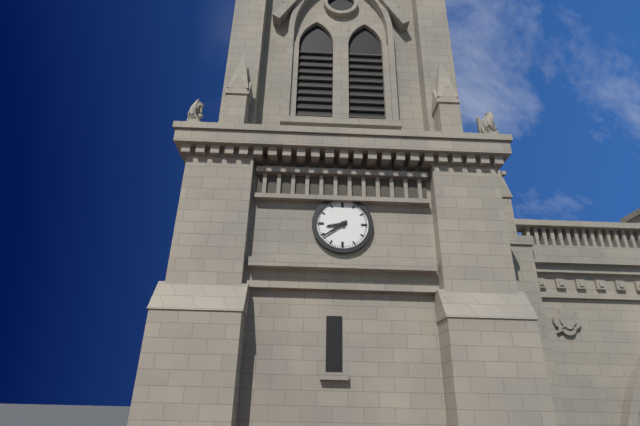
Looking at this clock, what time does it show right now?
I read 8:39
